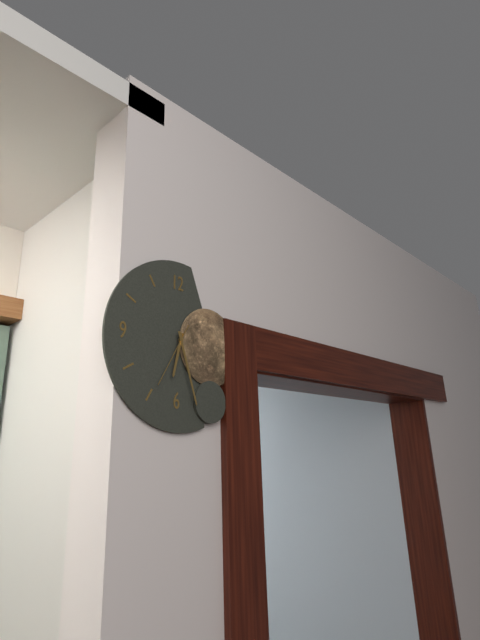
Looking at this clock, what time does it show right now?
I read 6:27:35
